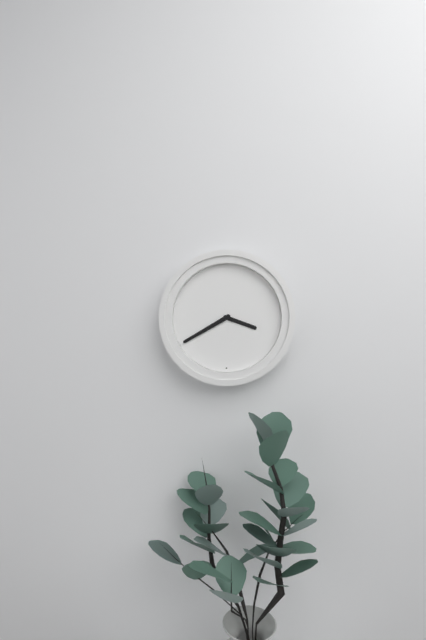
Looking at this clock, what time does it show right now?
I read 3:40
